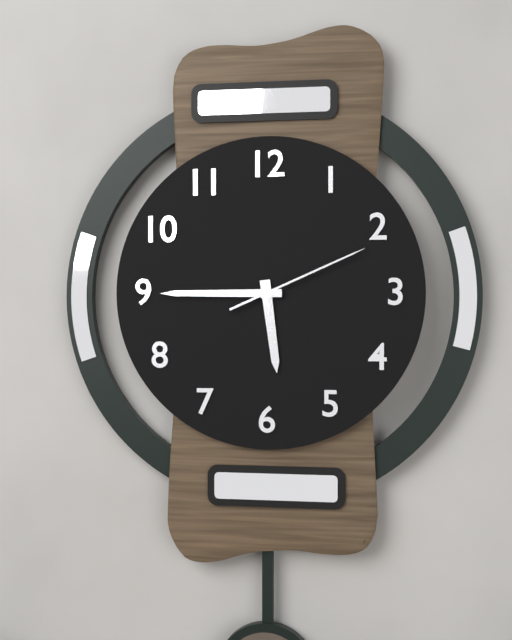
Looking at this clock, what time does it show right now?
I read 5:45:11
